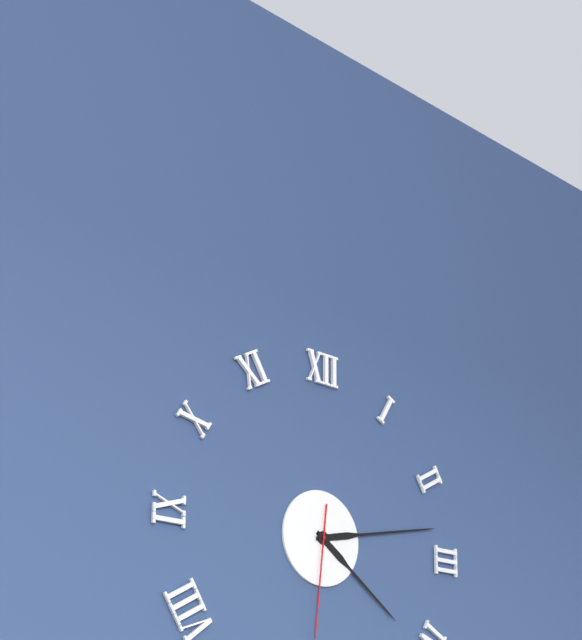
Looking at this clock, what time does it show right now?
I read 4:13
